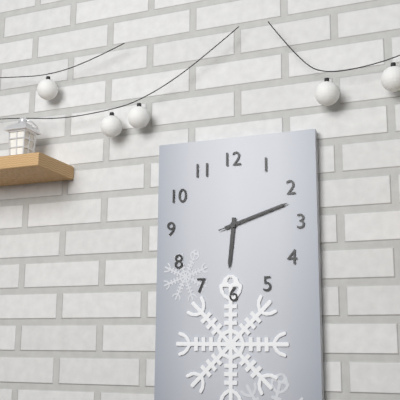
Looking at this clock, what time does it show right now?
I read 6:12:12
